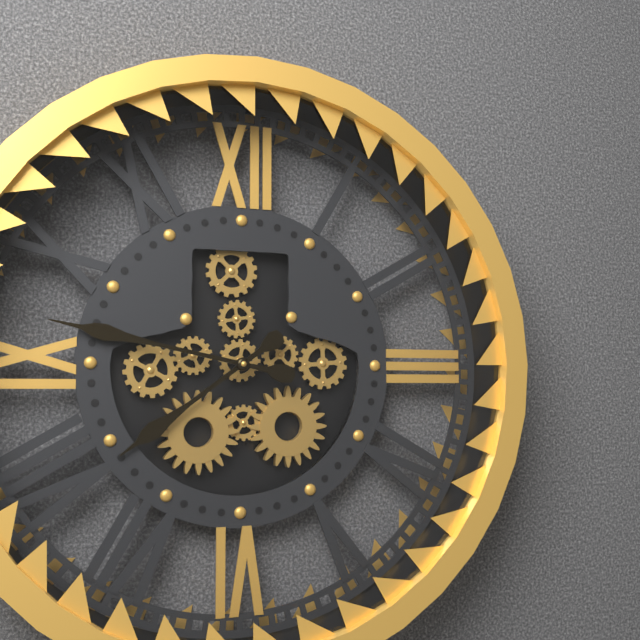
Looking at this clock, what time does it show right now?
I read 7:47
